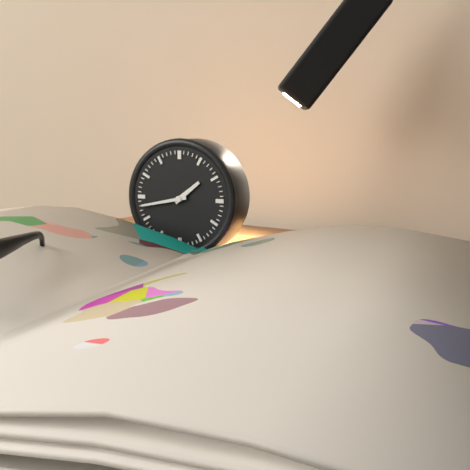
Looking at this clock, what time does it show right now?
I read 1:43
